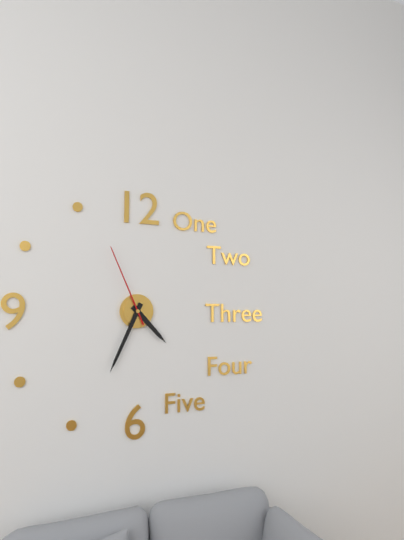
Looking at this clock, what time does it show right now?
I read 4:34:56
